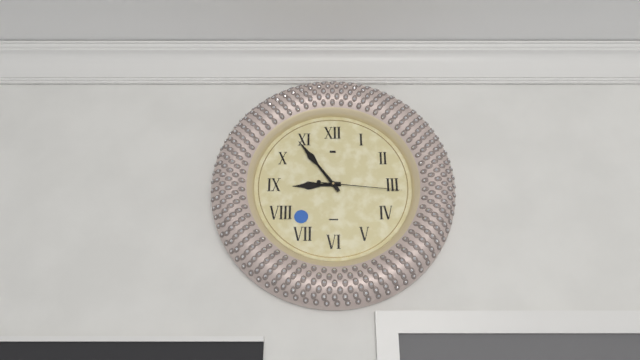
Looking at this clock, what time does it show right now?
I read 8:54:16
